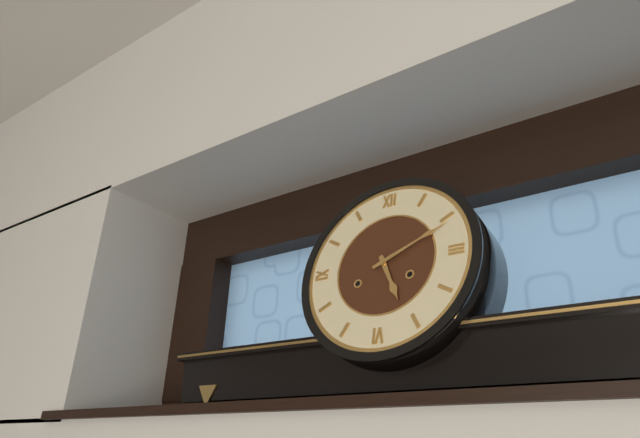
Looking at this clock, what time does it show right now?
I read 5:11
